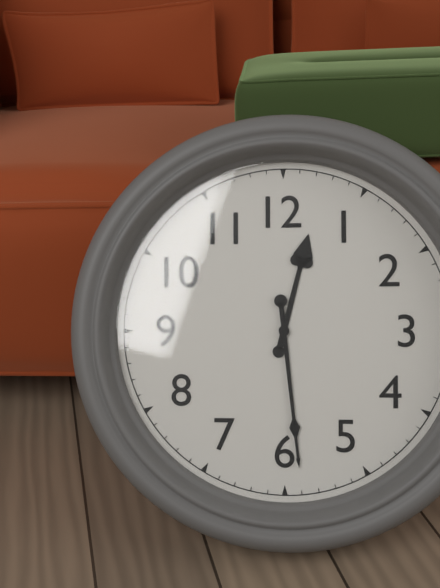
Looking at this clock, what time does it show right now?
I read 12:29
